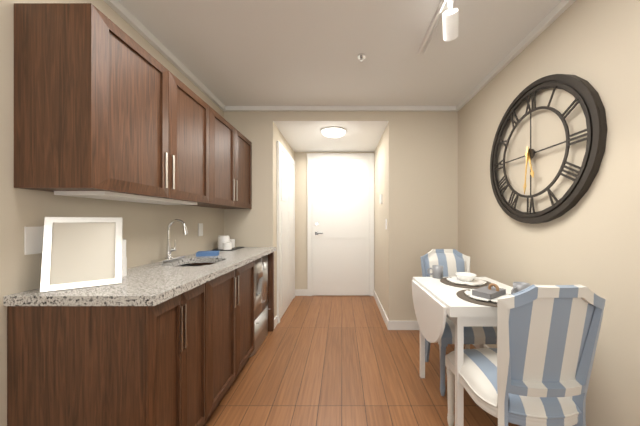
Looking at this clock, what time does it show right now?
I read 5:31
